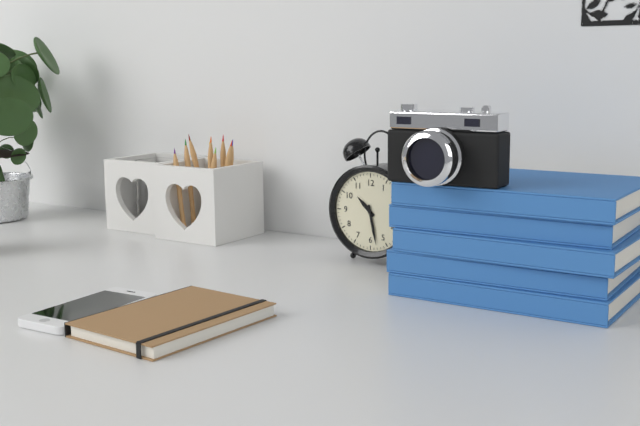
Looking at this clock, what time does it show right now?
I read 10:28
